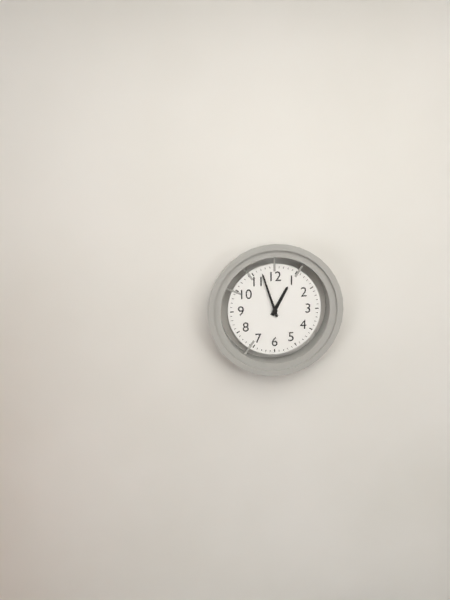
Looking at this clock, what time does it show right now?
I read 12:57
